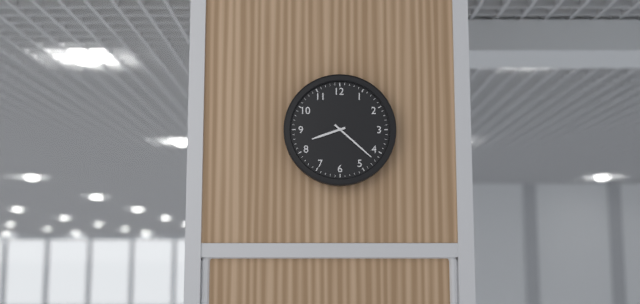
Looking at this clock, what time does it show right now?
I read 8:22
